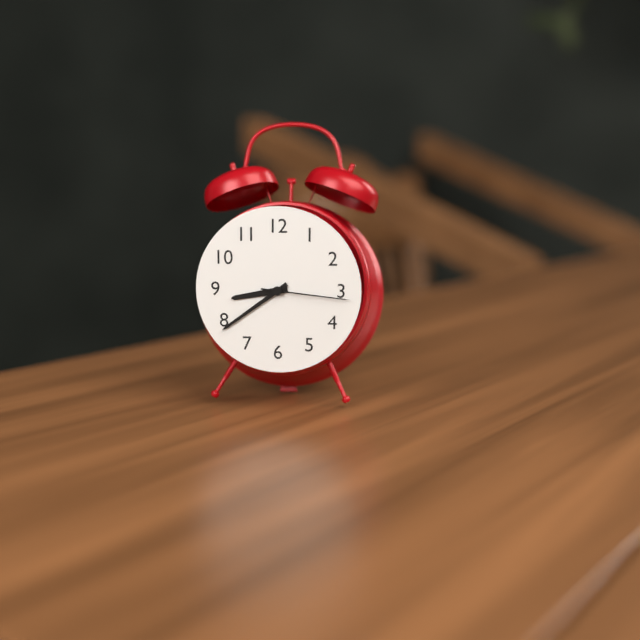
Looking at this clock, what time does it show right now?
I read 8:39:16
